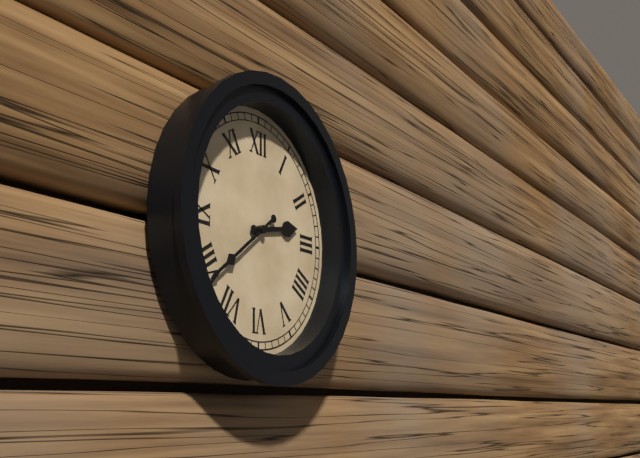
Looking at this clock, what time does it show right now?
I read 2:39
